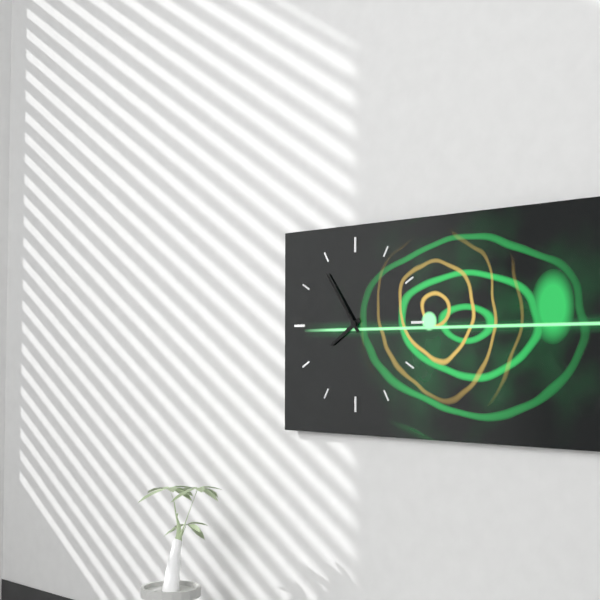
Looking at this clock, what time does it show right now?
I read 7:54
